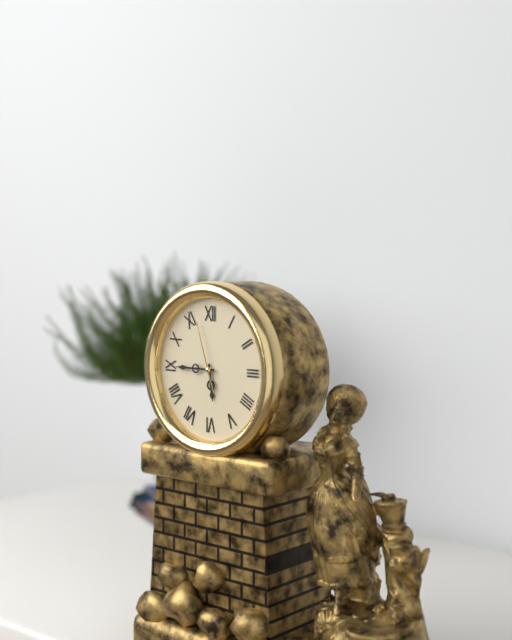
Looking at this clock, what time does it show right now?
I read 5:45:57
